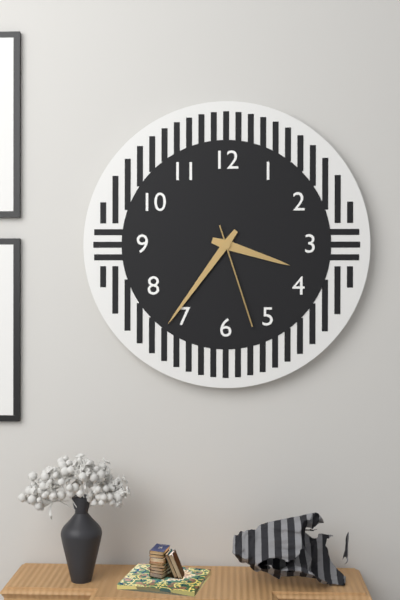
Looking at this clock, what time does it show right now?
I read 3:36:27
